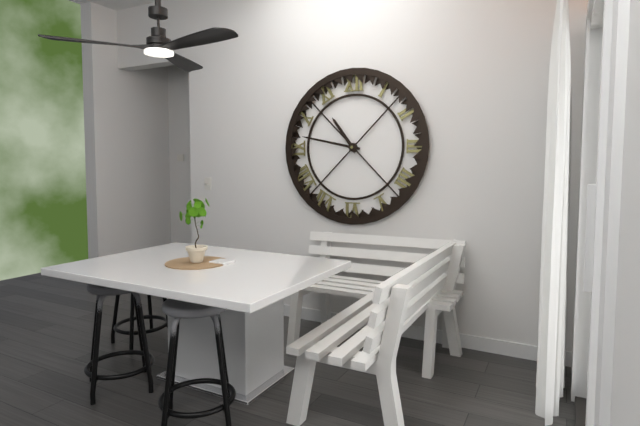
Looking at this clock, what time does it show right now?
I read 10:47
